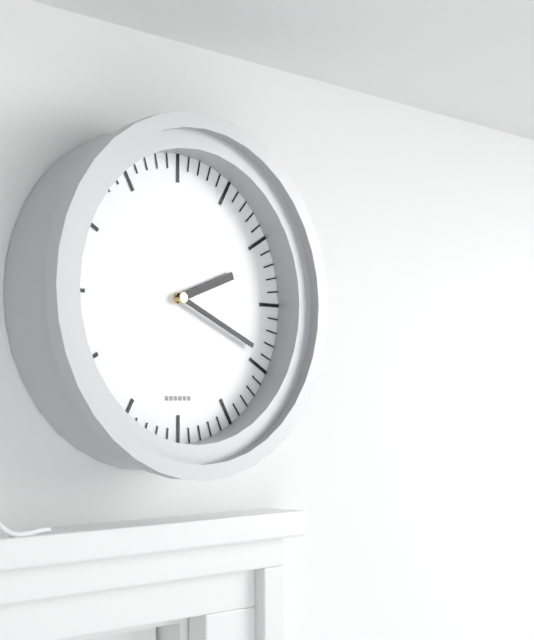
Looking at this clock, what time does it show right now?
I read 2:19
